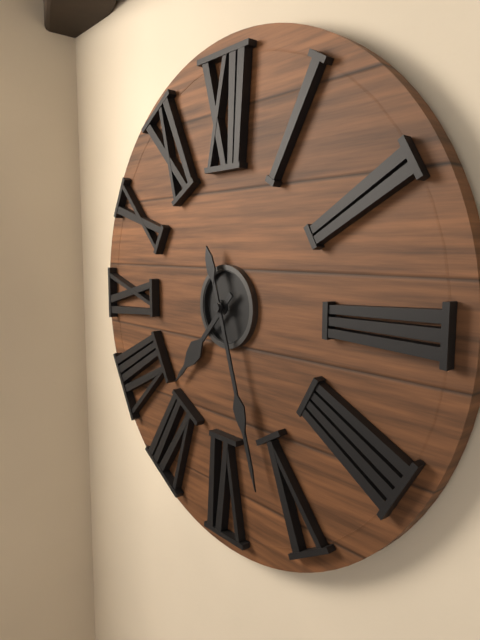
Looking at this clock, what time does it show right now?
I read 7:27
